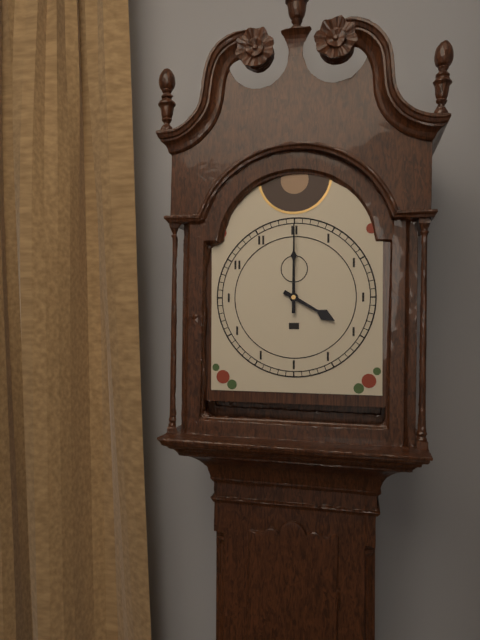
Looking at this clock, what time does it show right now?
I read 4:00
